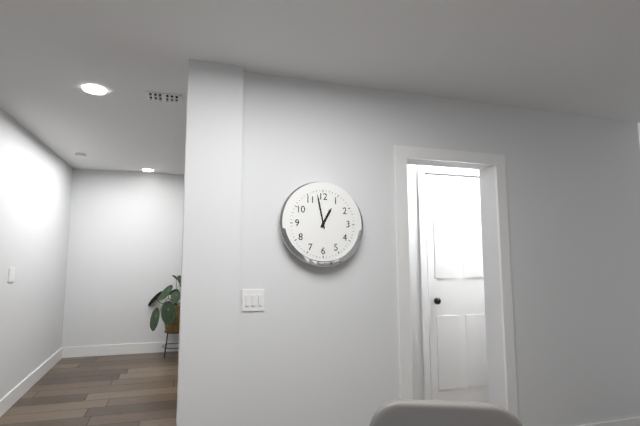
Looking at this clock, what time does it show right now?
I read 12:58
